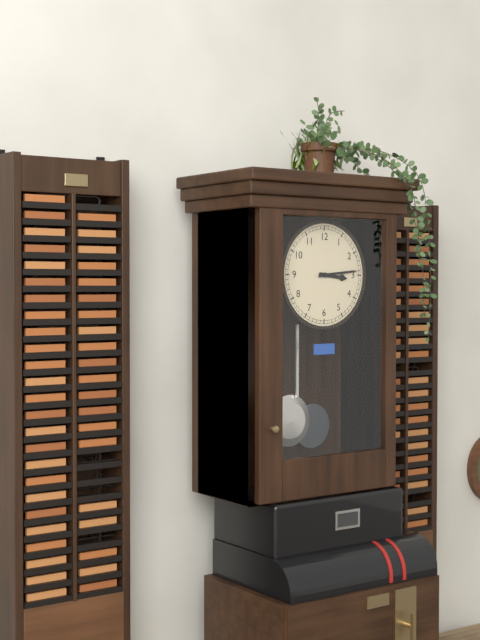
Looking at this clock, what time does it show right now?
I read 3:14
